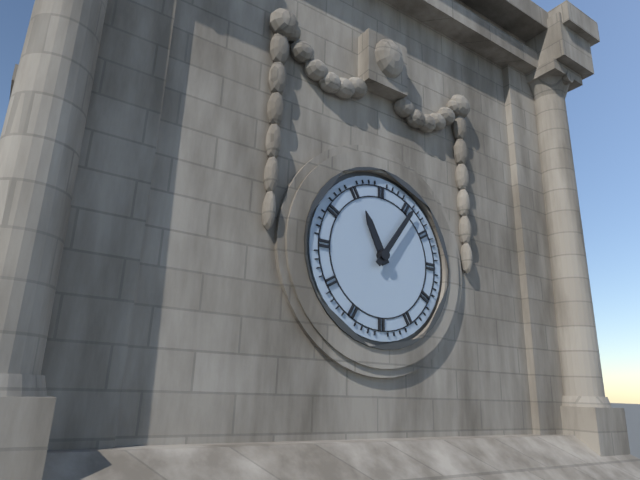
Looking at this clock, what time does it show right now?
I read 11:06
